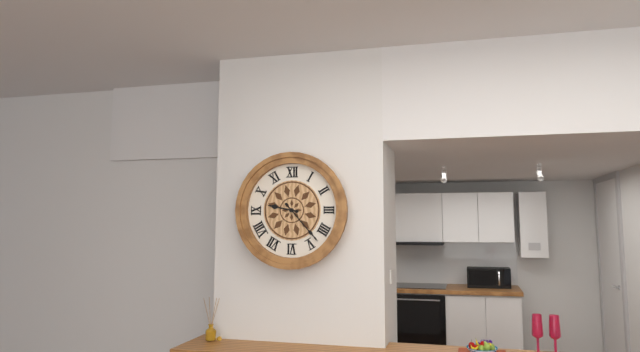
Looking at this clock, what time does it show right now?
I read 9:23
